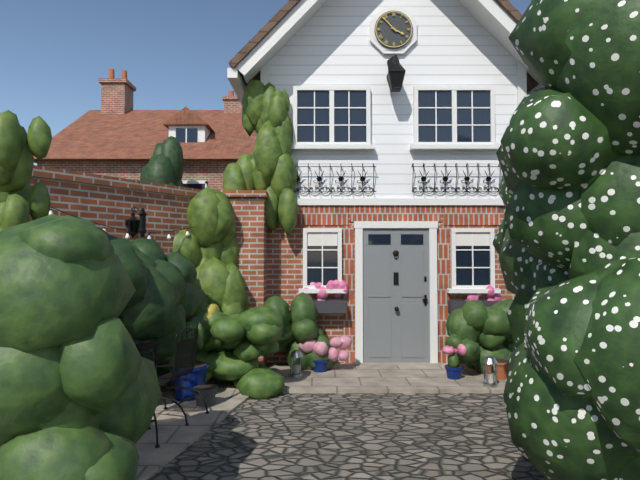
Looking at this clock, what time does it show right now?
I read 3:53
